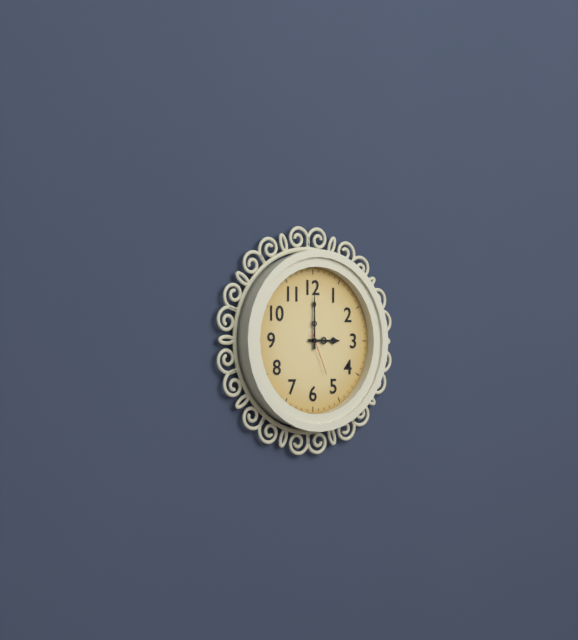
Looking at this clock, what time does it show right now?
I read 3:00
